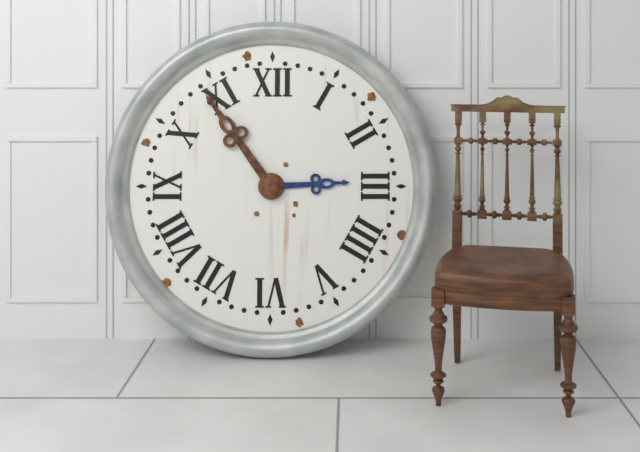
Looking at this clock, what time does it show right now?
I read 2:54
